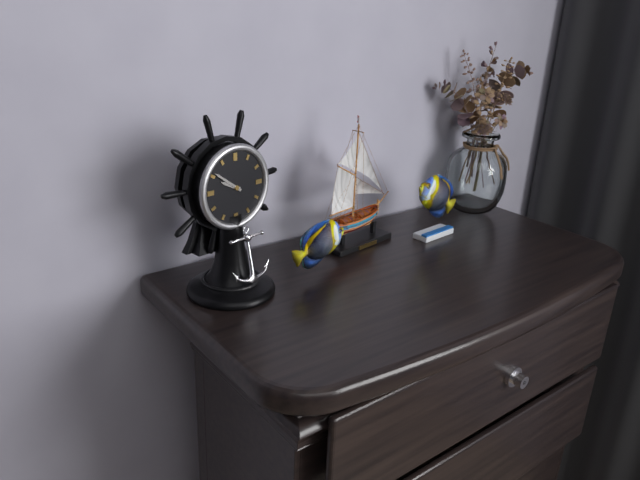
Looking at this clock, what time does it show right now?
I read 9:51
